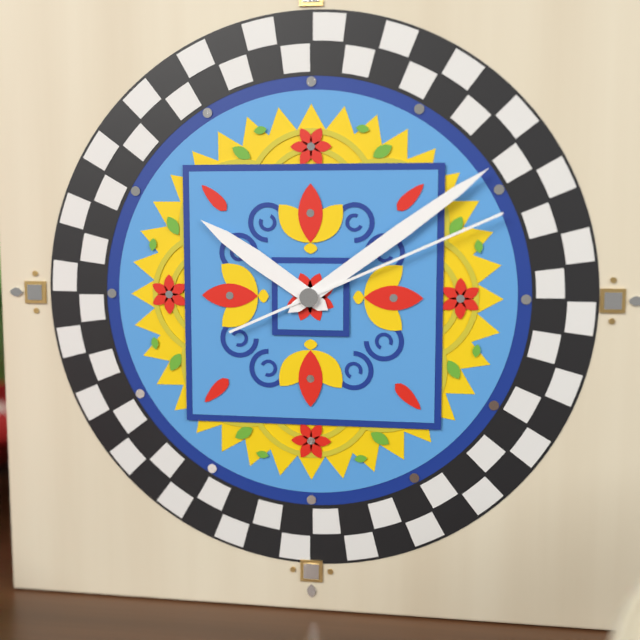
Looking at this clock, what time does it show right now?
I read 10:09:11
